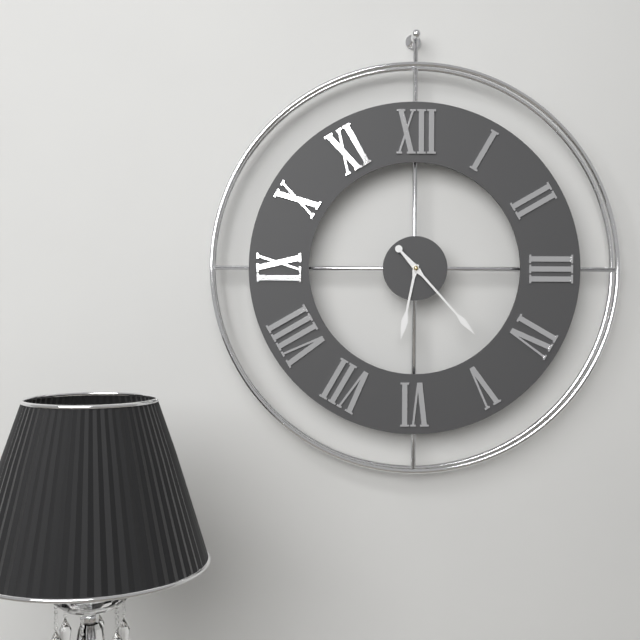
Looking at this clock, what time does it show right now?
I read 6:23
